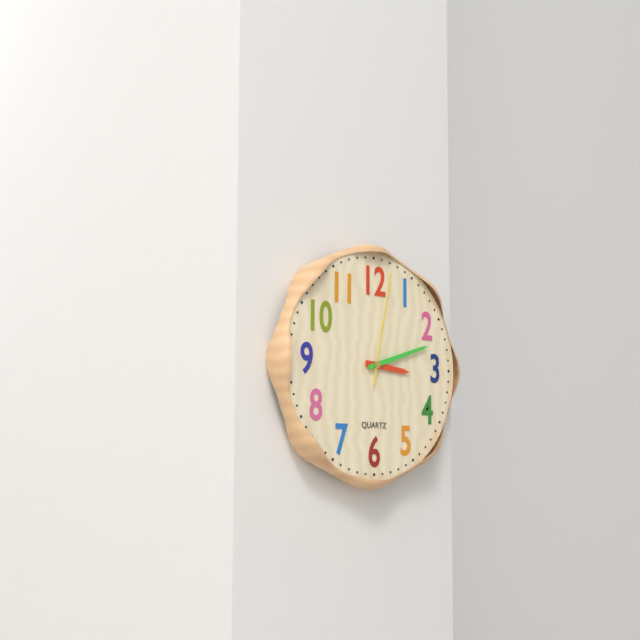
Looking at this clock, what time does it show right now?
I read 3:12:02
